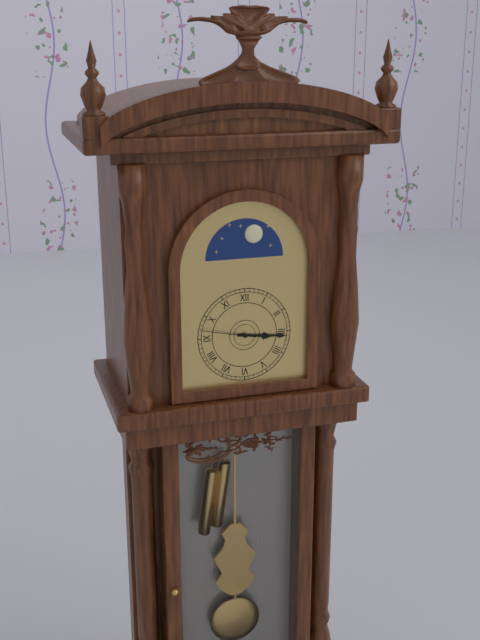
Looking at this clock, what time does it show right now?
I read 3:16:47
